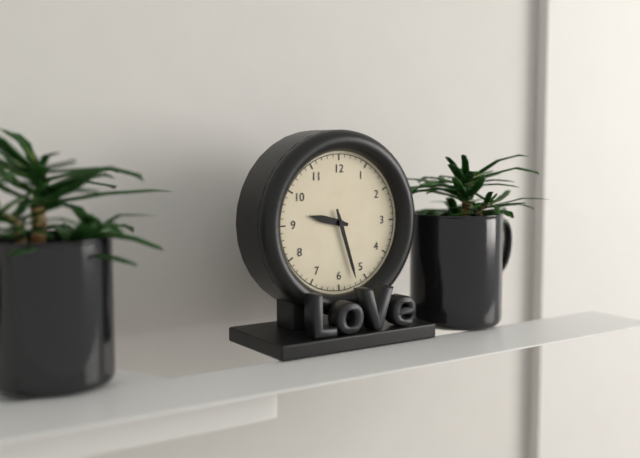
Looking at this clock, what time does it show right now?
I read 9:27
